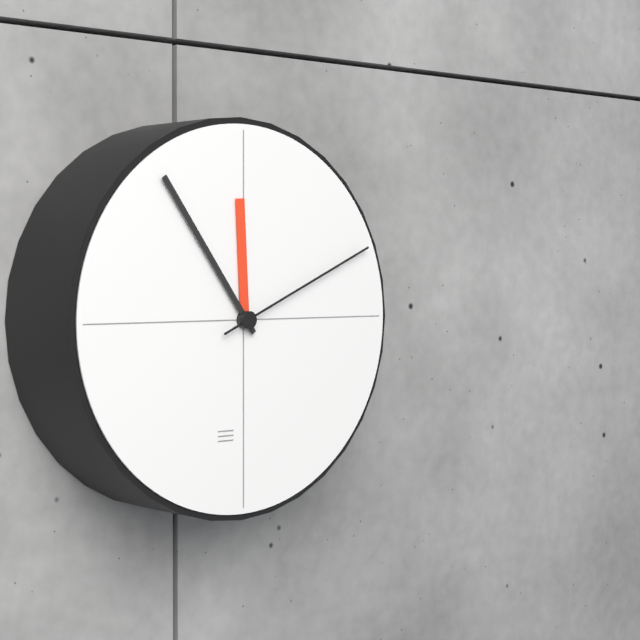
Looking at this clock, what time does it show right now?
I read 11:54:11
